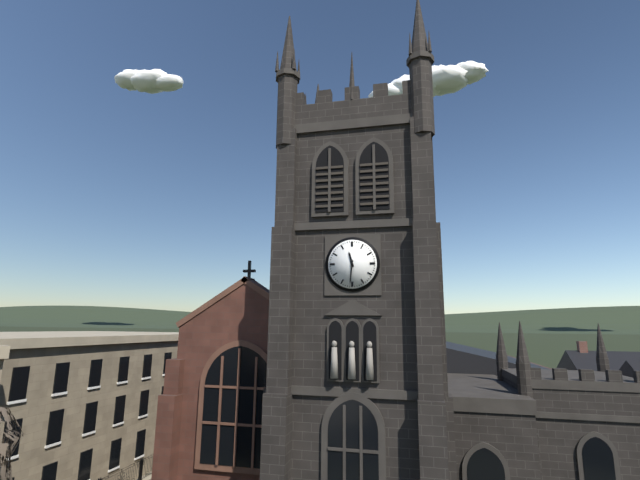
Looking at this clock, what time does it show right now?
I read 11:31
